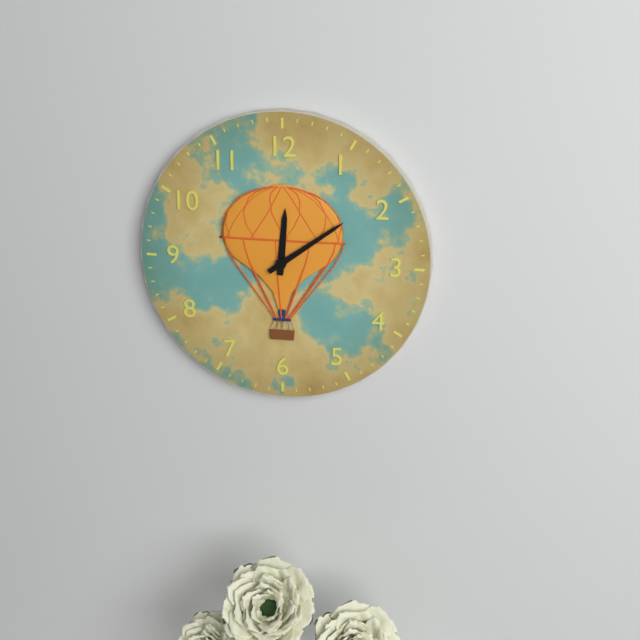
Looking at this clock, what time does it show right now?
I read 12:09
